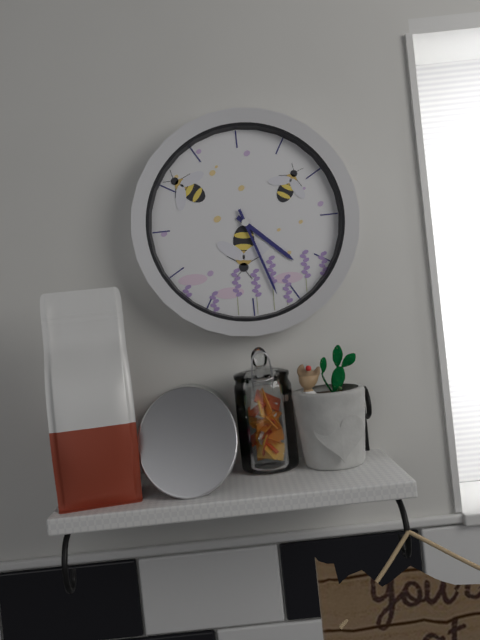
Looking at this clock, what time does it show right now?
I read 4:27
